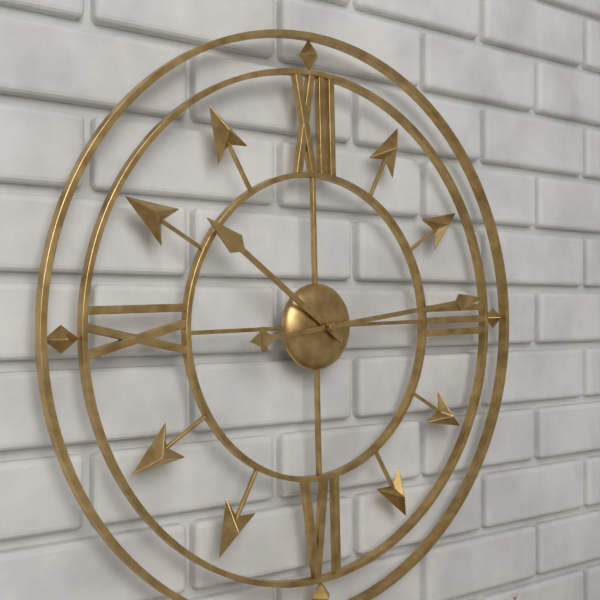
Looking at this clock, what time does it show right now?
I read 10:14
